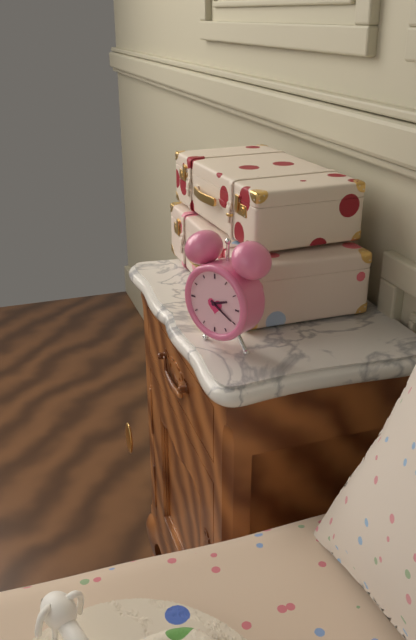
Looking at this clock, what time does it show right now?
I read 2:20
